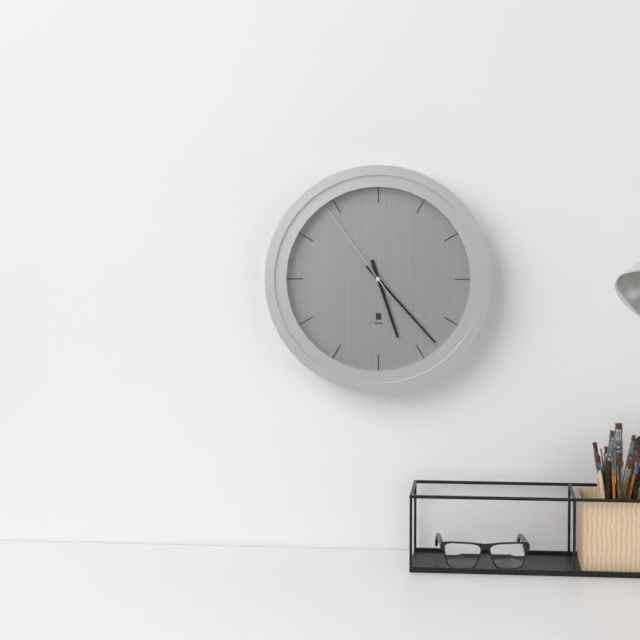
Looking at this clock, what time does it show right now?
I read 5:23:54
